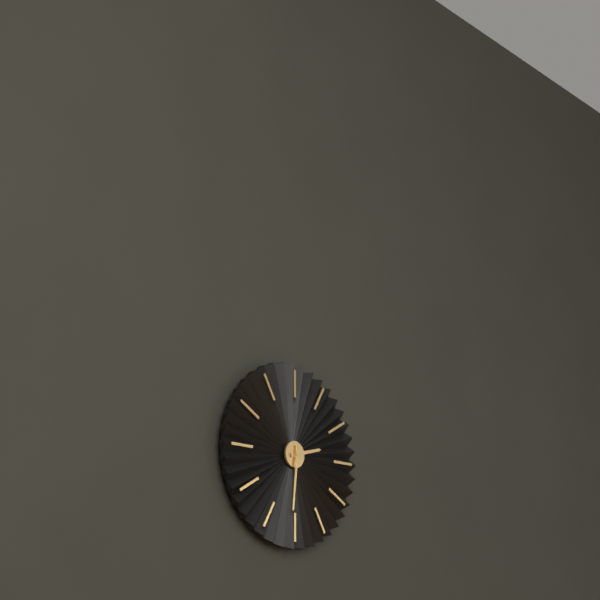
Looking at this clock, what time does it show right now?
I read 2:31
